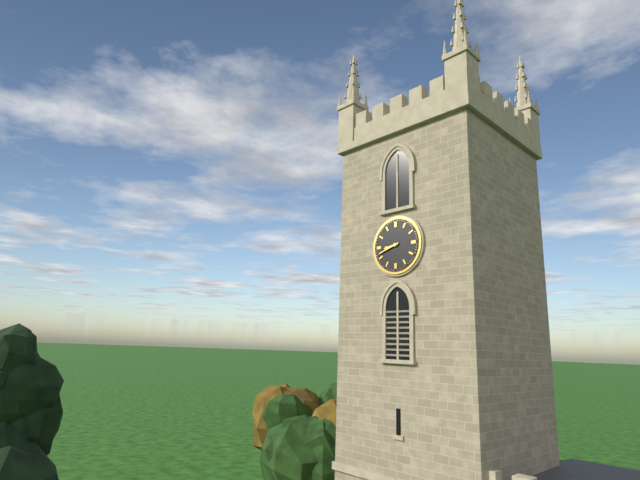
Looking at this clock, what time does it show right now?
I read 8:42
